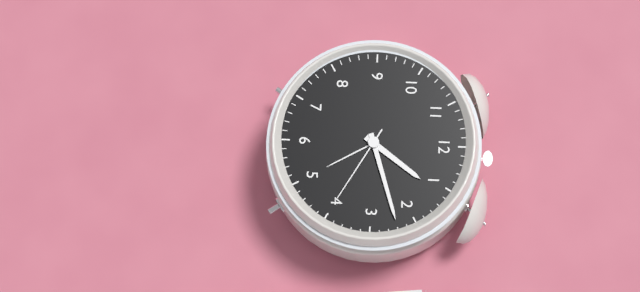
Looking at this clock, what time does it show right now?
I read 1:12:20
